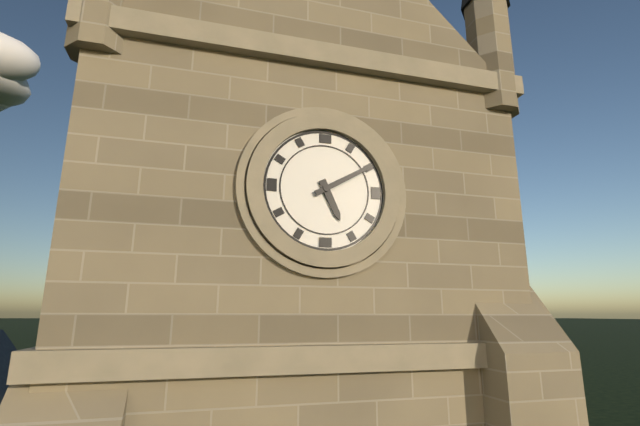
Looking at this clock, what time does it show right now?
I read 5:10
